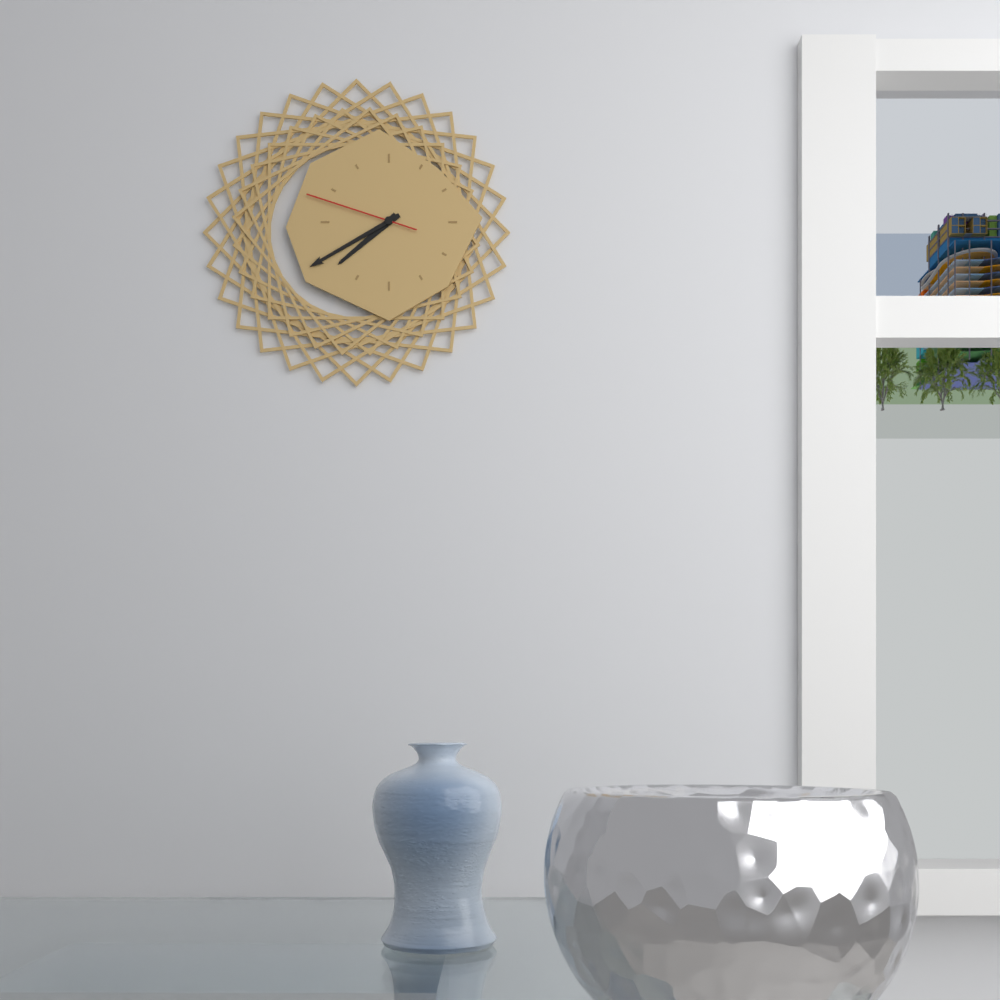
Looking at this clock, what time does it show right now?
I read 7:40:48
